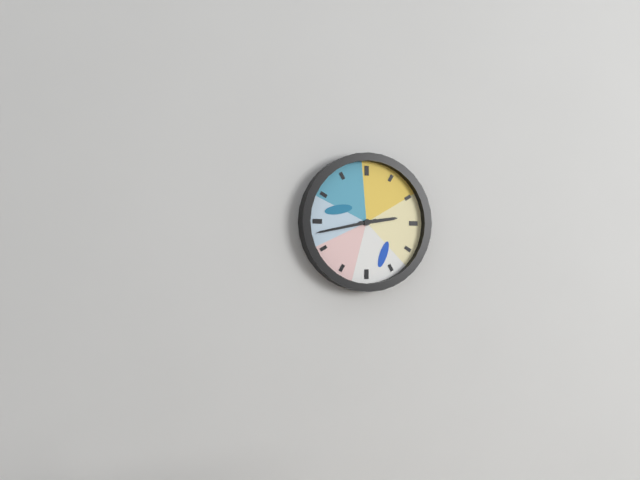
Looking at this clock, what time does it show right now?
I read 2:43
